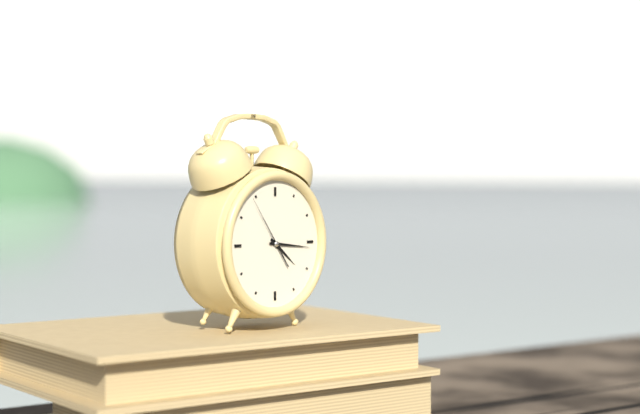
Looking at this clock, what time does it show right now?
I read 4:16:54
